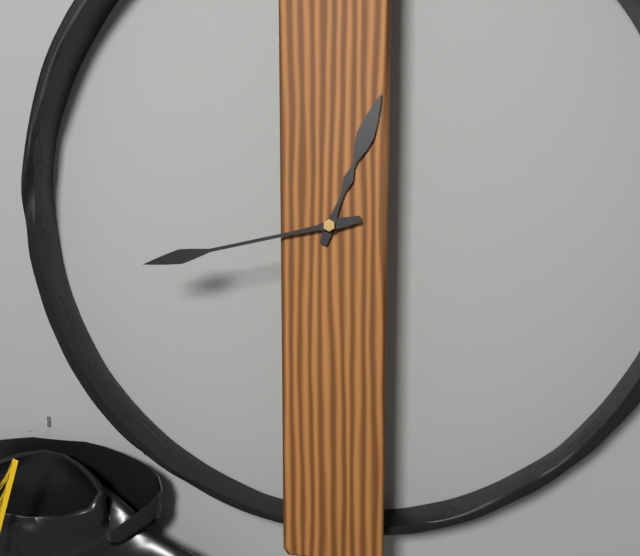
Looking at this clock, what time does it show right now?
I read 12:43
